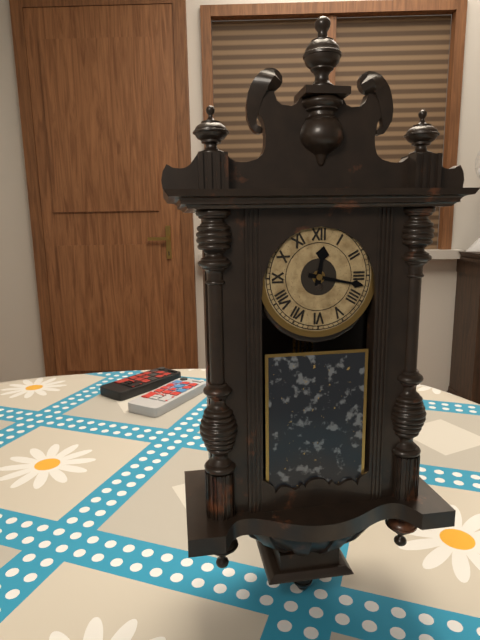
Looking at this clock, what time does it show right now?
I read 12:17
